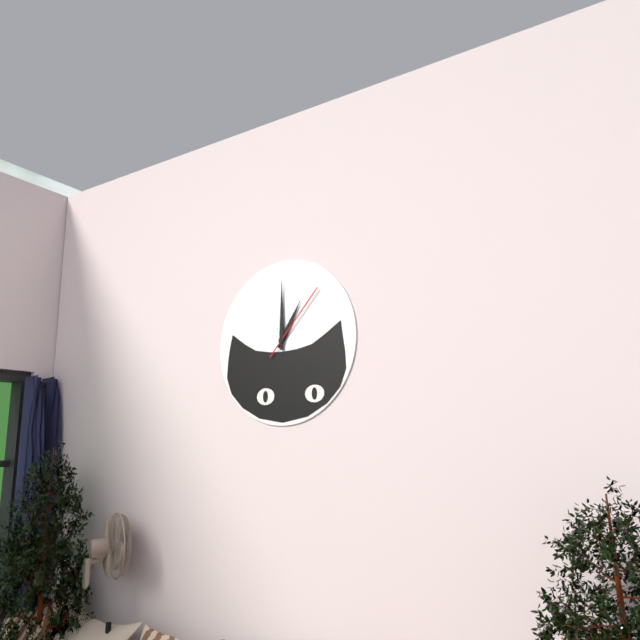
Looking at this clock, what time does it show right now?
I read 1:00:07
